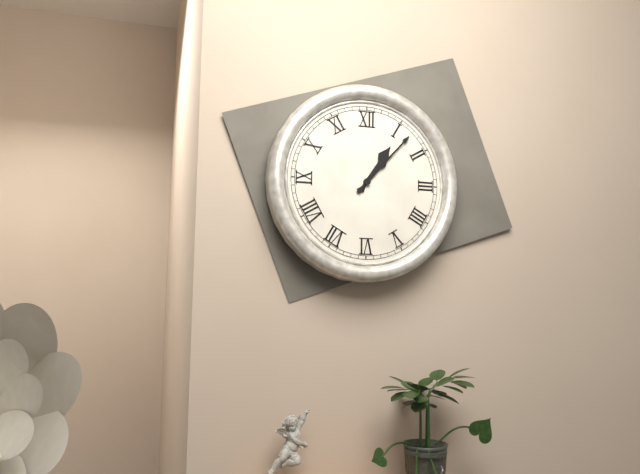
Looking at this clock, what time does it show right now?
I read 1:07
